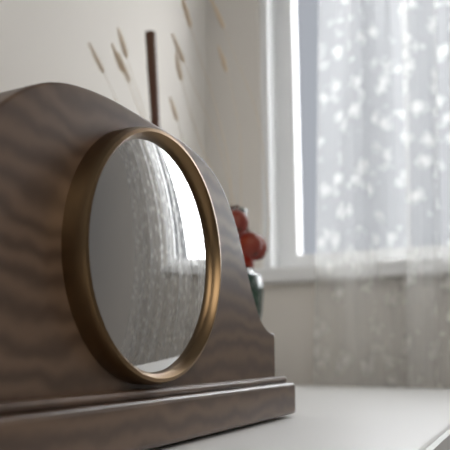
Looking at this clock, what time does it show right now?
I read 10:33
